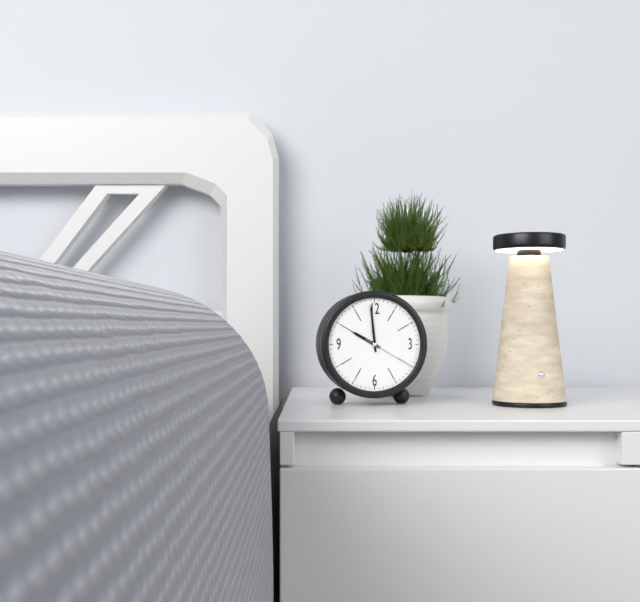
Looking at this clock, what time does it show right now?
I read 9:59:20
